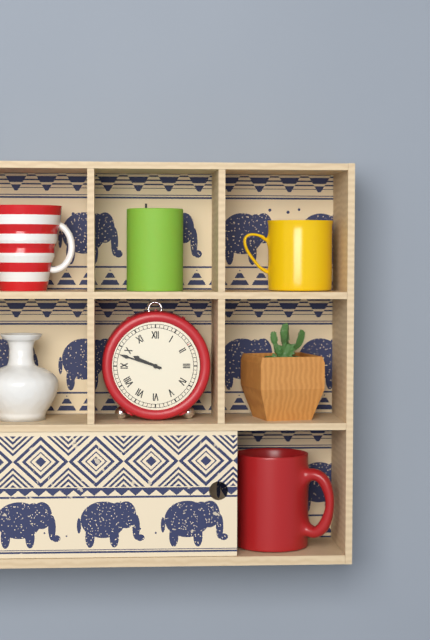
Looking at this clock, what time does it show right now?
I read 9:48
